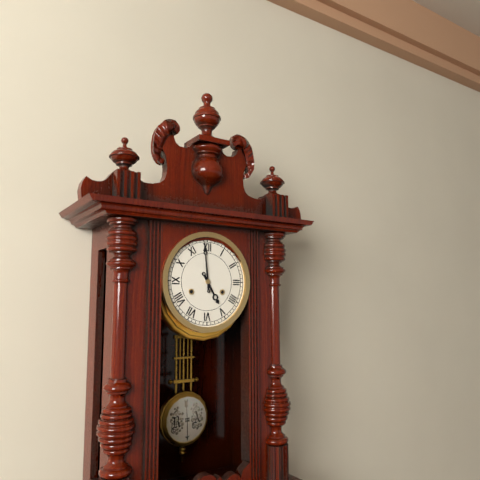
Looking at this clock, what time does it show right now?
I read 4:59
